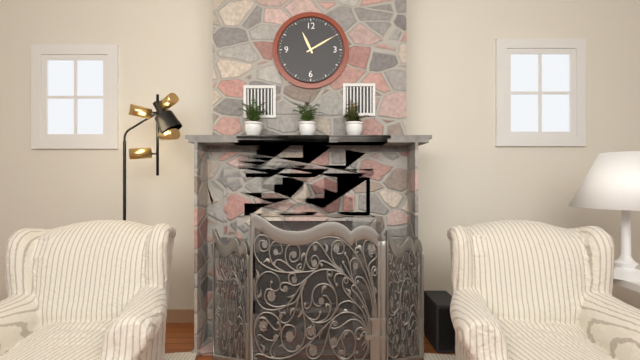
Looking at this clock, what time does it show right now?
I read 11:10
